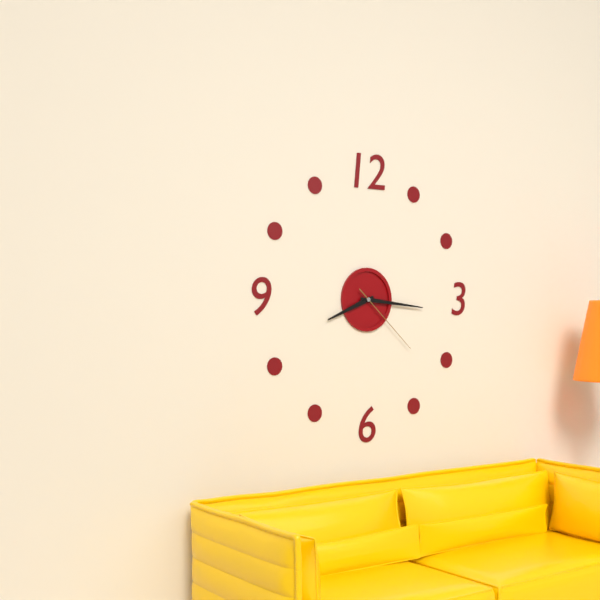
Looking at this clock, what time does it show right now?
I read 8:16:22
